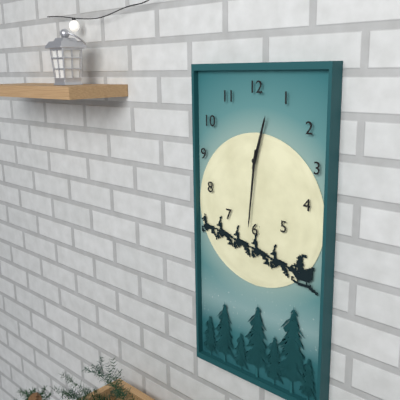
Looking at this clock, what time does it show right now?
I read 12:31
